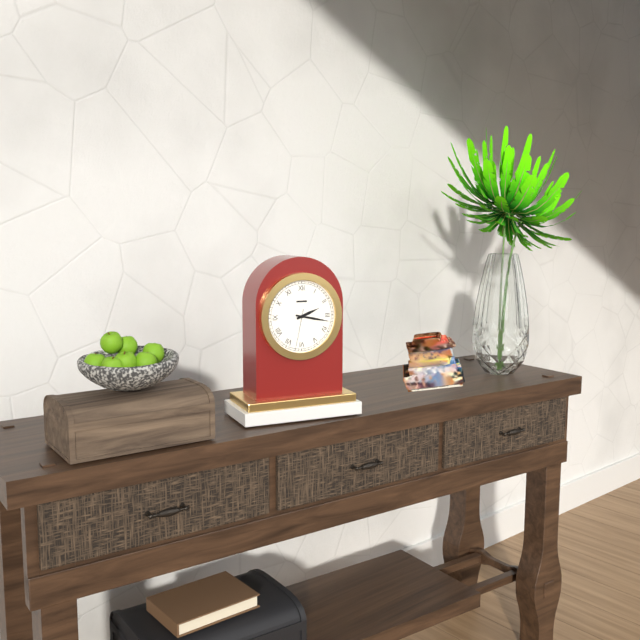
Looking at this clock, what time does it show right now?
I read 2:17
